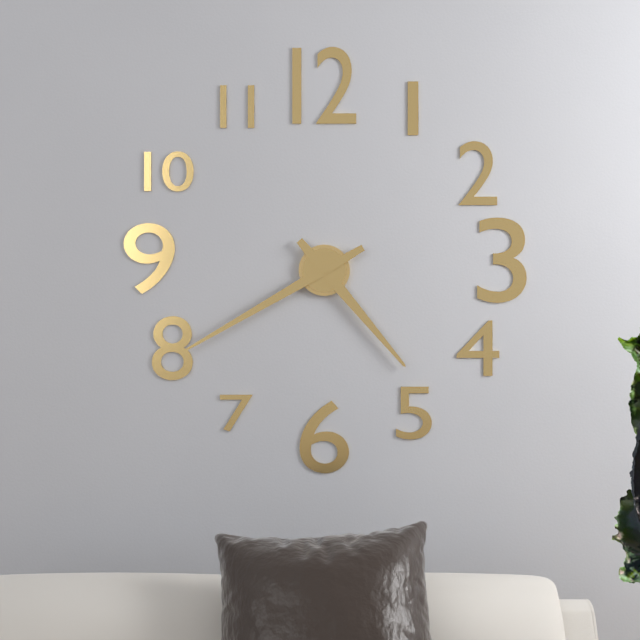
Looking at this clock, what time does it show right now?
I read 4:40
